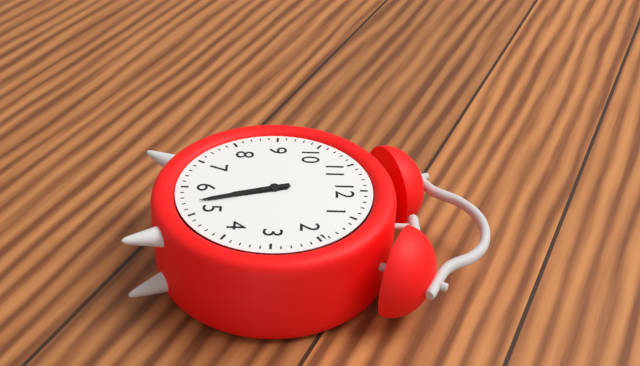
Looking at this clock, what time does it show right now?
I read 5:27
